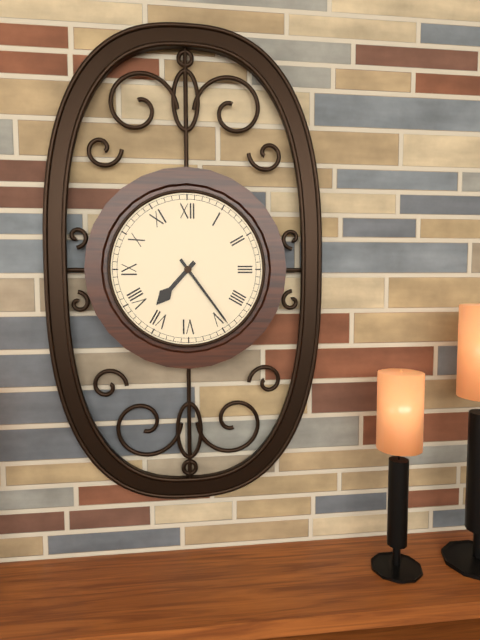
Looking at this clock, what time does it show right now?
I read 7:24
